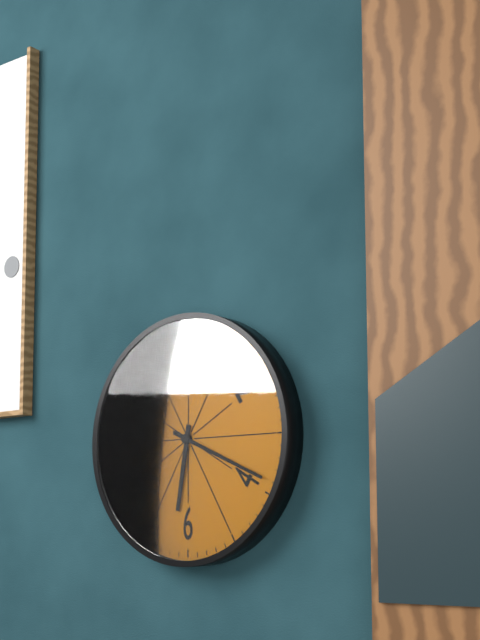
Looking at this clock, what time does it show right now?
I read 6:19
